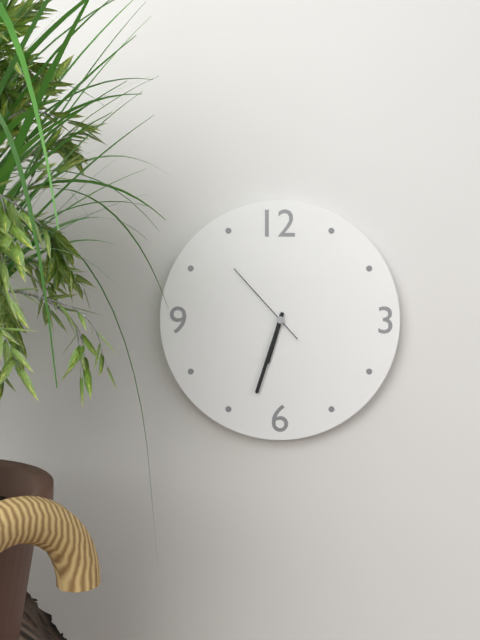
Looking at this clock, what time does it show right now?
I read 6:33:53
